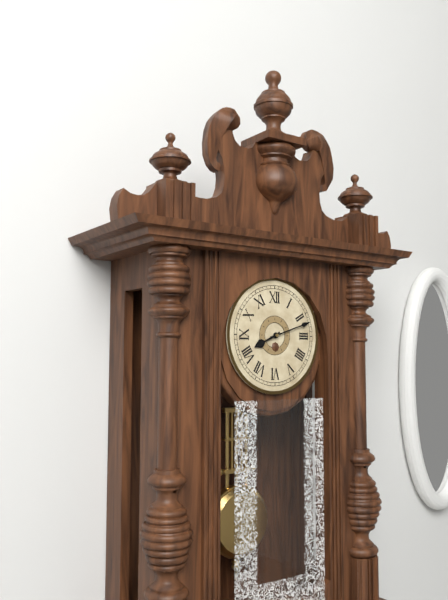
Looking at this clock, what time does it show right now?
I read 8:12
